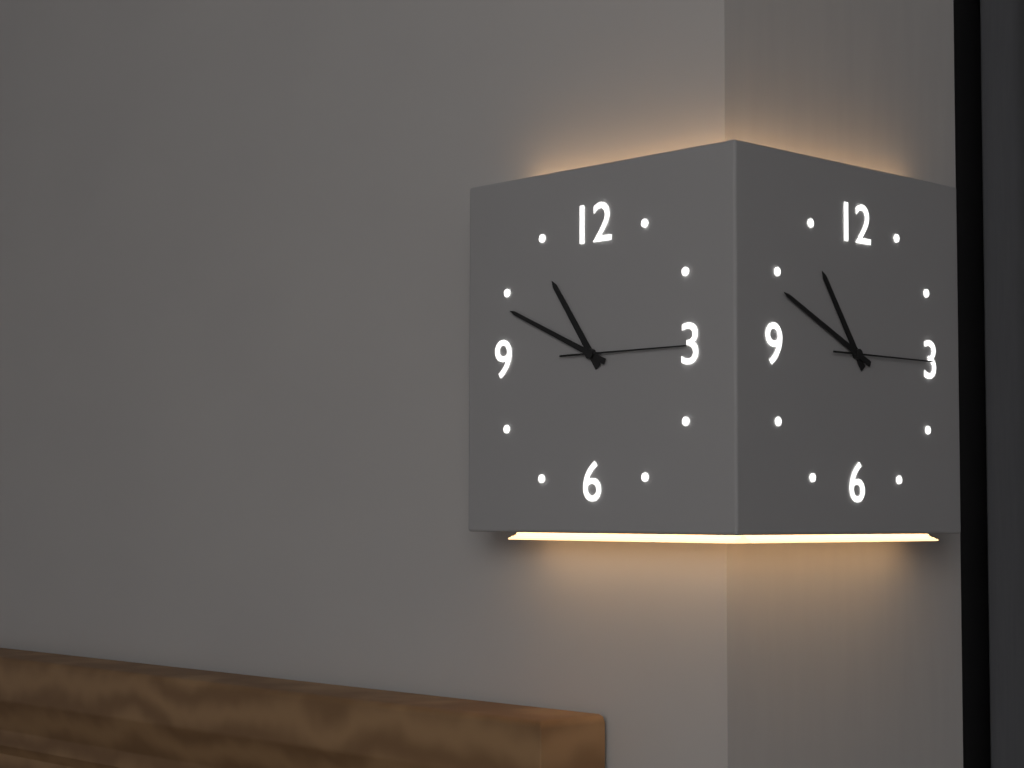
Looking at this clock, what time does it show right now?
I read 10:49:15
